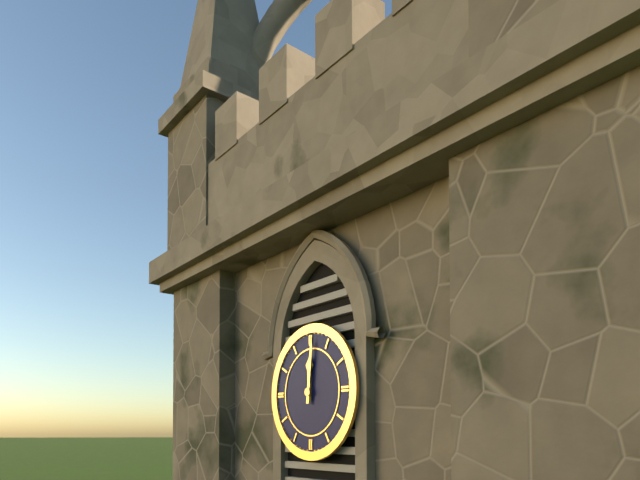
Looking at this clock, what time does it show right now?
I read 12:01
